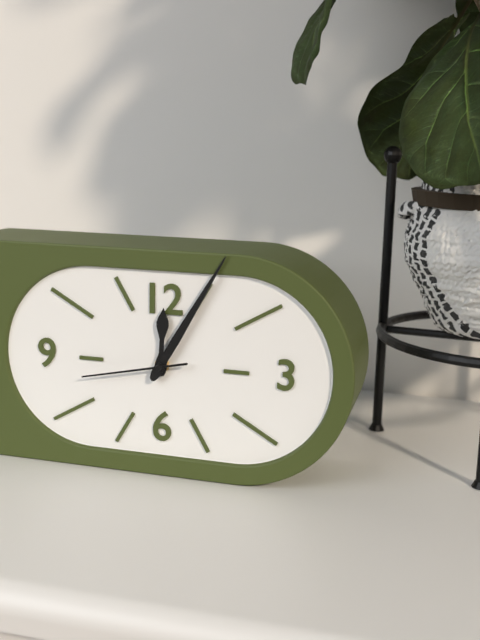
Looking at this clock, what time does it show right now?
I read 12:05:43
